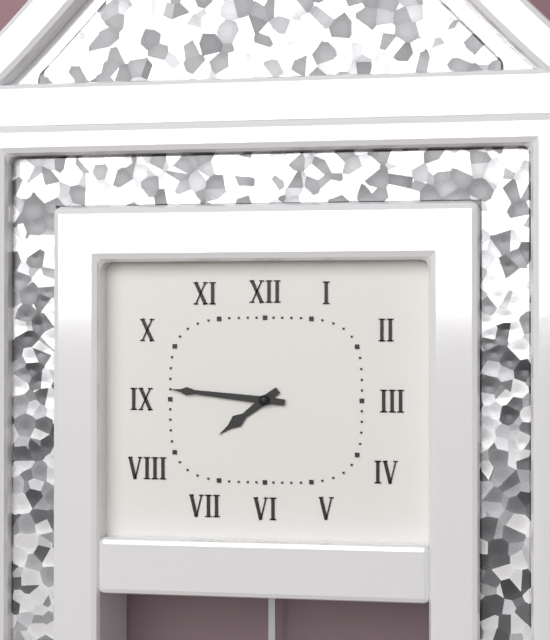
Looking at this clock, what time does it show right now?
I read 7:46
